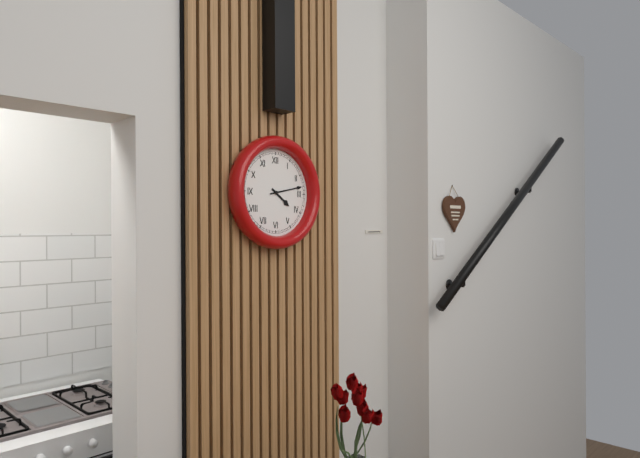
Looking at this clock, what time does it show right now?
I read 4:13
